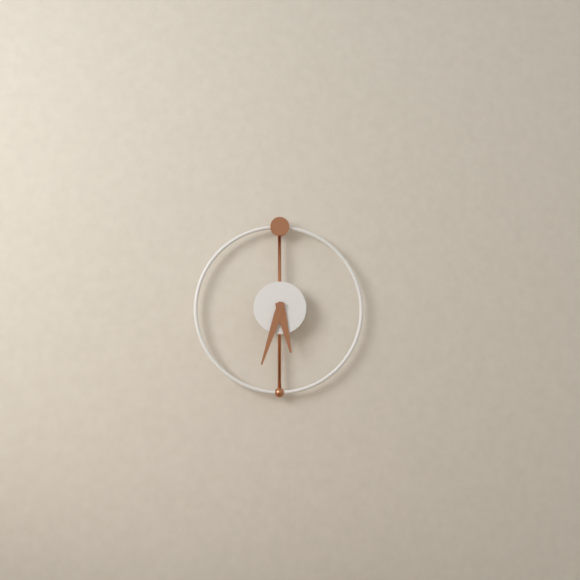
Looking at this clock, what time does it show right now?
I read 5:33
